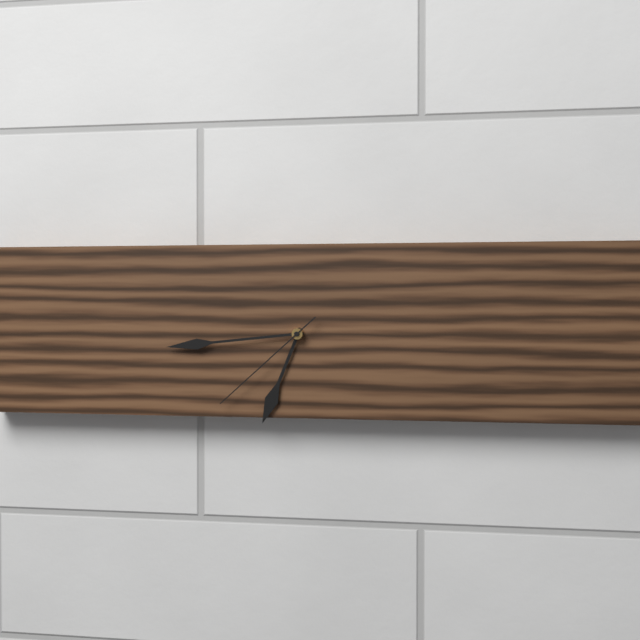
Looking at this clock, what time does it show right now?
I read 6:44:38
